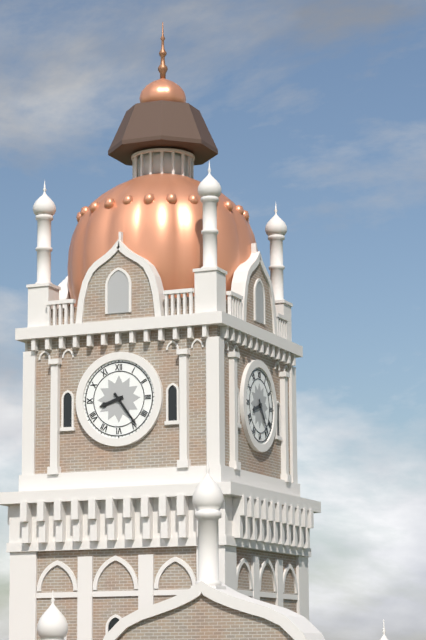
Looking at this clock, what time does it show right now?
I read 8:24
